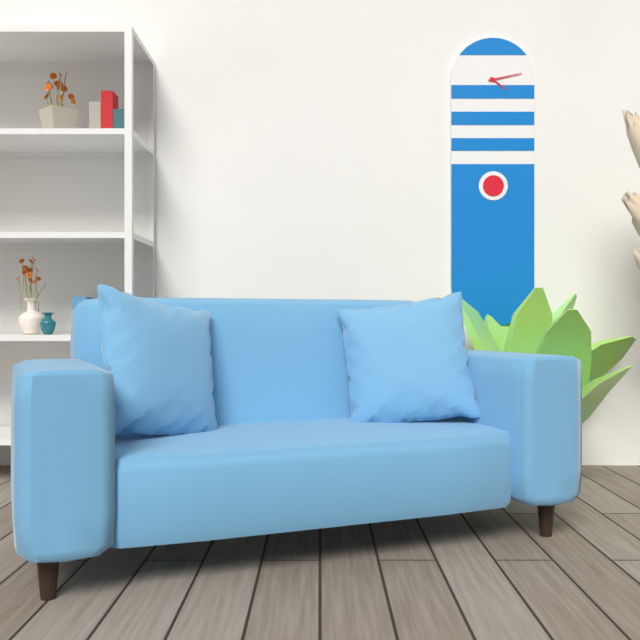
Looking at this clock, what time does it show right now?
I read 4:13
